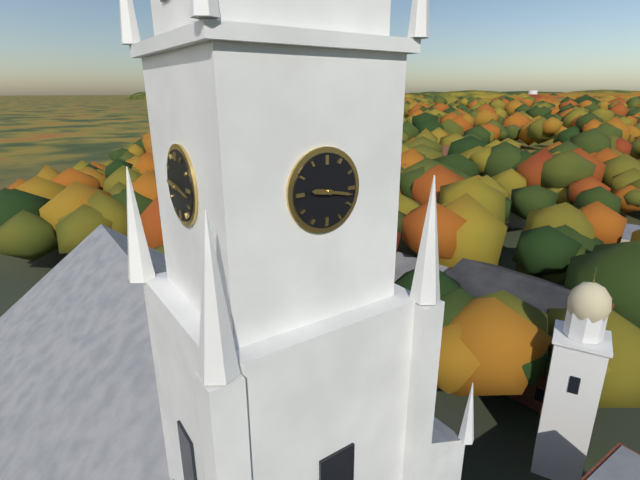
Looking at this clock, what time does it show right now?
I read 9:17
